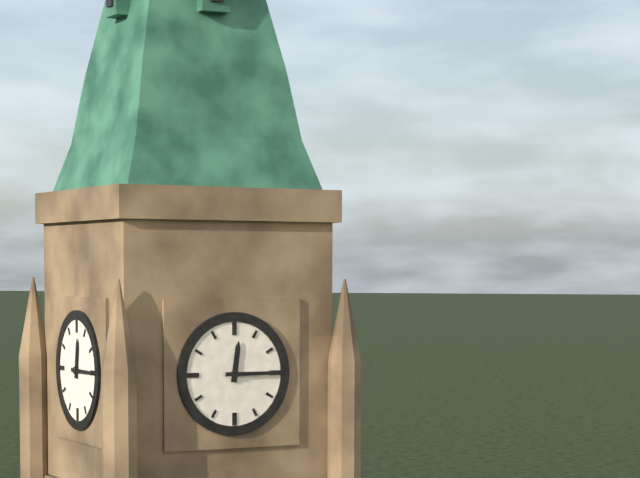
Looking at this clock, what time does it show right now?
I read 12:15
